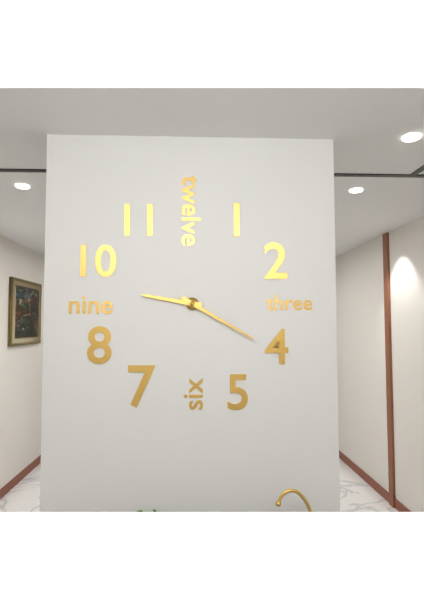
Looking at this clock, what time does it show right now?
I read 9:20
